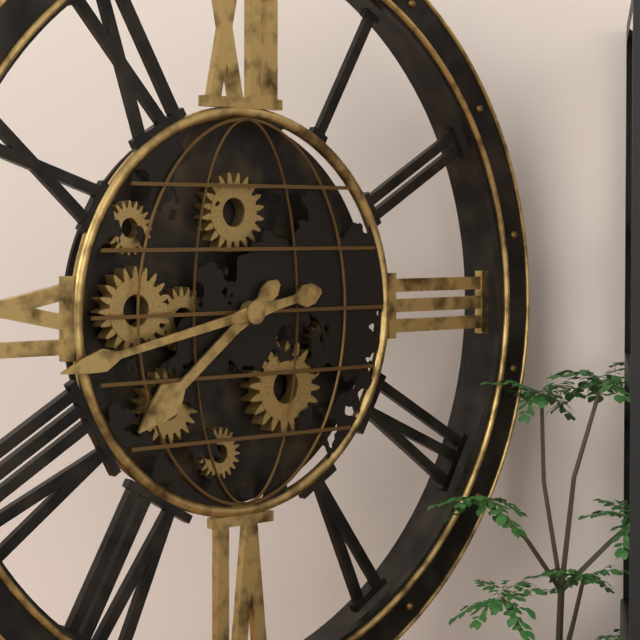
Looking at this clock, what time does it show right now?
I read 7:43
